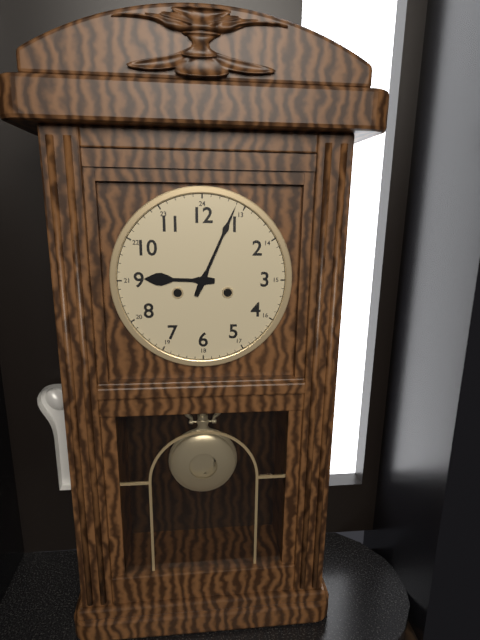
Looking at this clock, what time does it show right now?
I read 9:04
